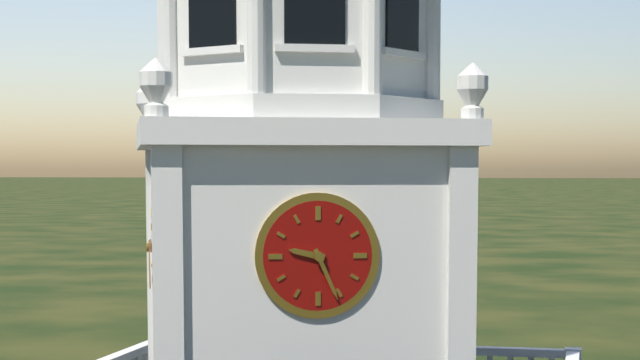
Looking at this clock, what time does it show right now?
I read 9:26
